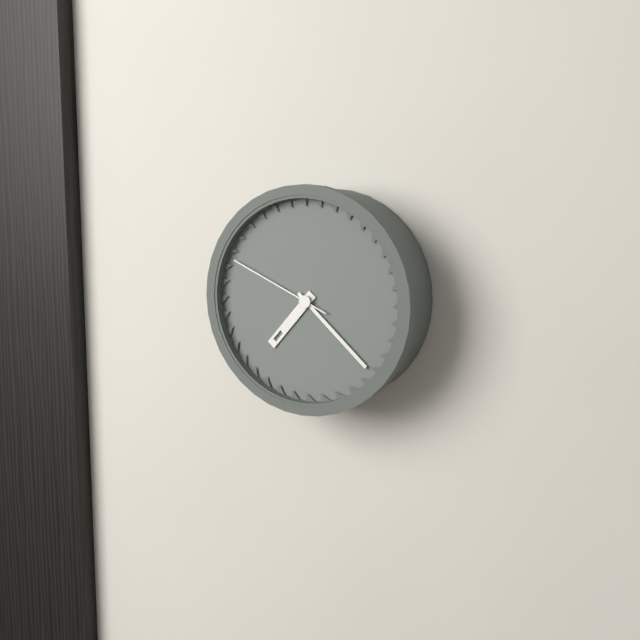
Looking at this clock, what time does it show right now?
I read 7:22:49
